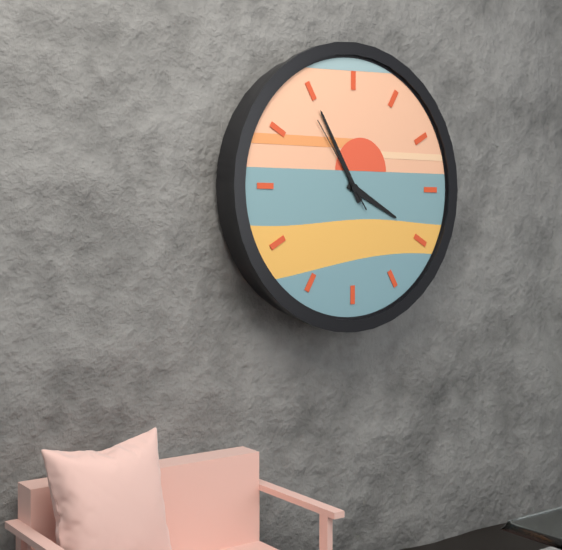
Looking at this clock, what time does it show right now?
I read 3:55:54
